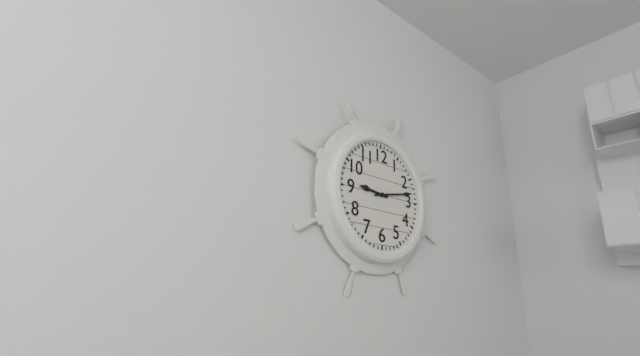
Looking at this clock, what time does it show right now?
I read 9:13
